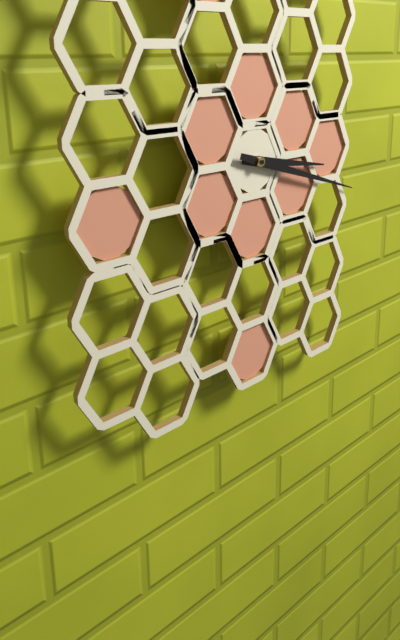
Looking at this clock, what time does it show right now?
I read 3:18
